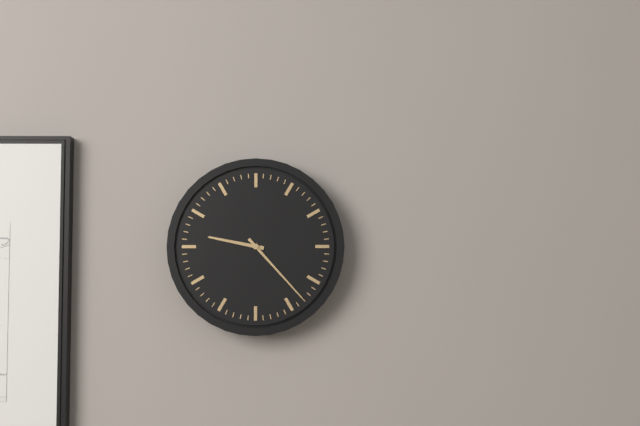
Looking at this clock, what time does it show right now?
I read 9:23
